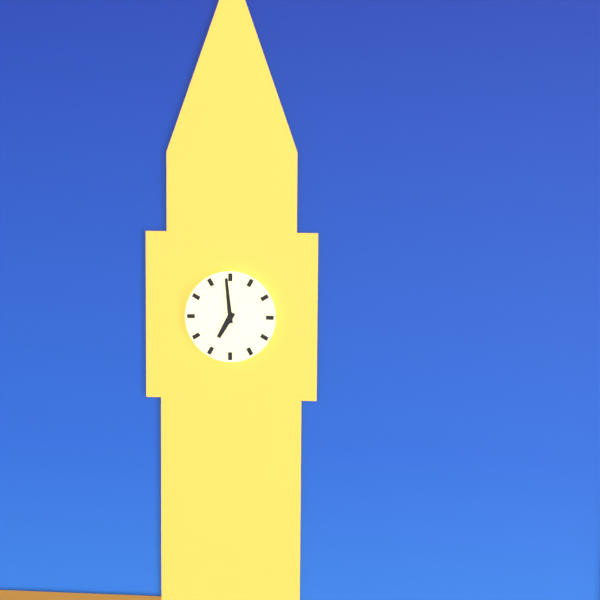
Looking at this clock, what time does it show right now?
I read 6:59
